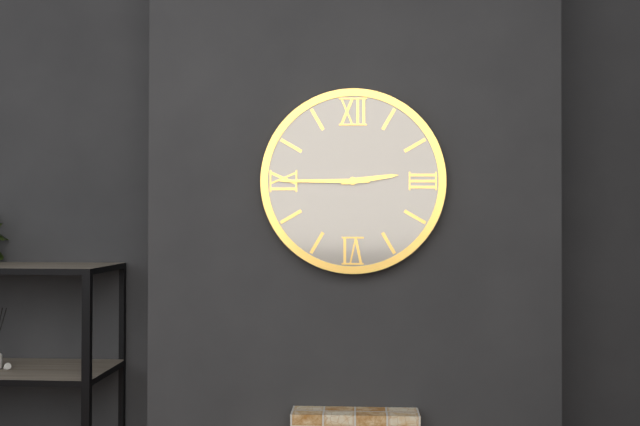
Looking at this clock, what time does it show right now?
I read 2:45
